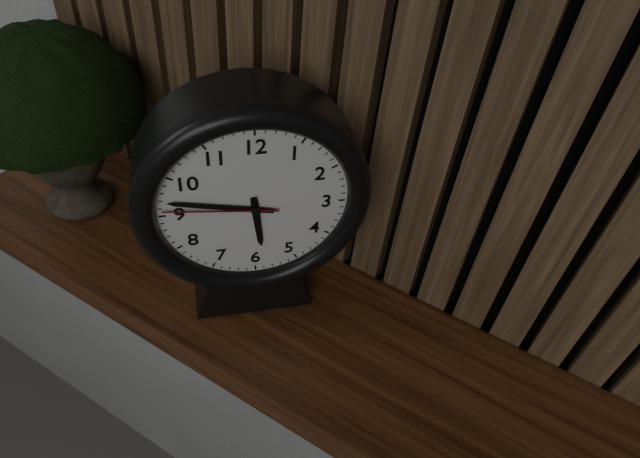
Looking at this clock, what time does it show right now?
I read 5:47:46
